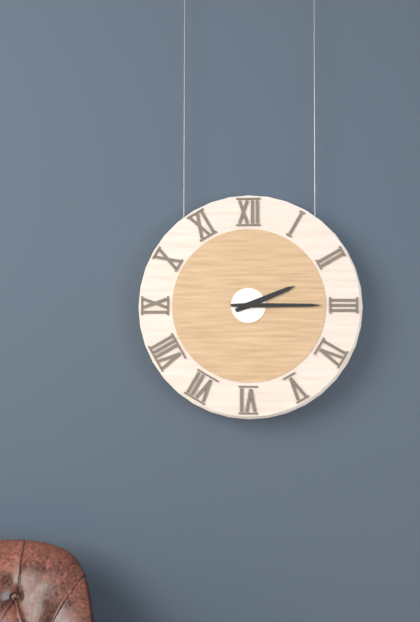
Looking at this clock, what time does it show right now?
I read 2:15
